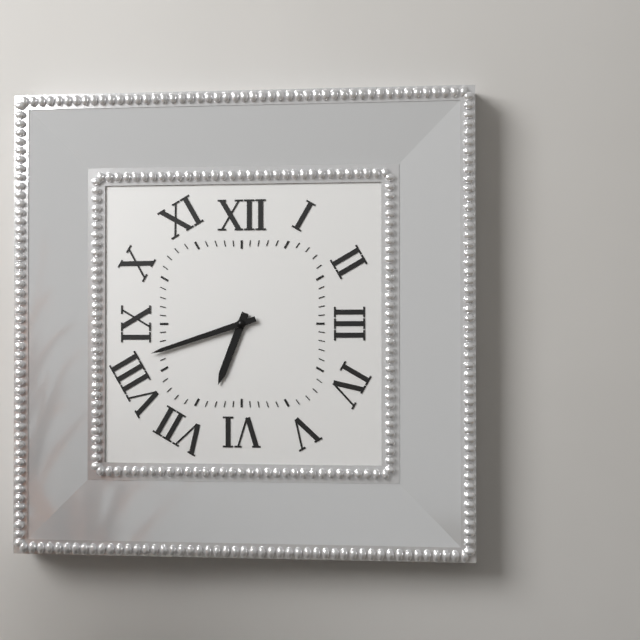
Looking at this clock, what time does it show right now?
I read 6:42
